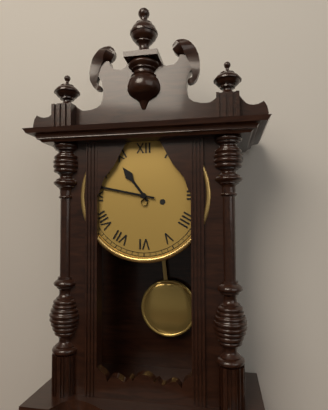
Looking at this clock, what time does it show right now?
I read 10:47
